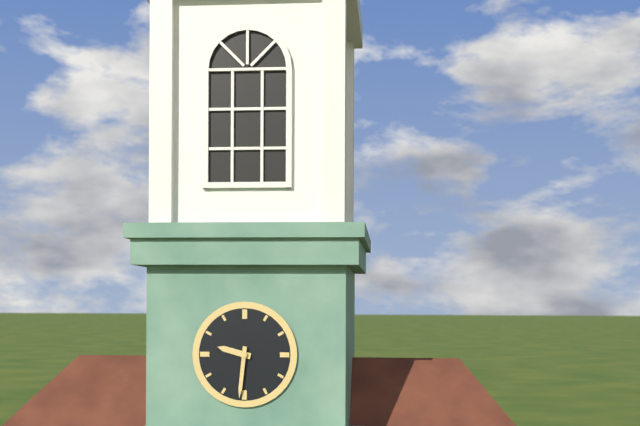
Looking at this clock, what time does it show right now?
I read 9:31
